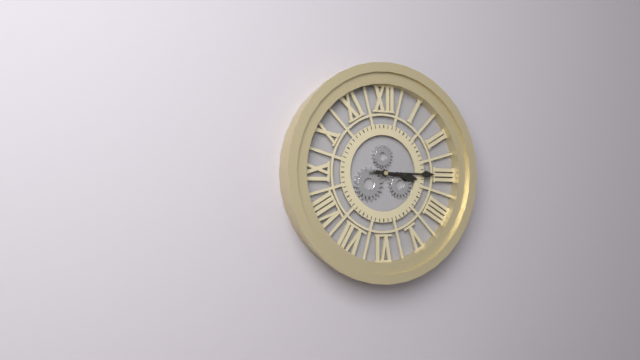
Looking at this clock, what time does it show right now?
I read 3:15
